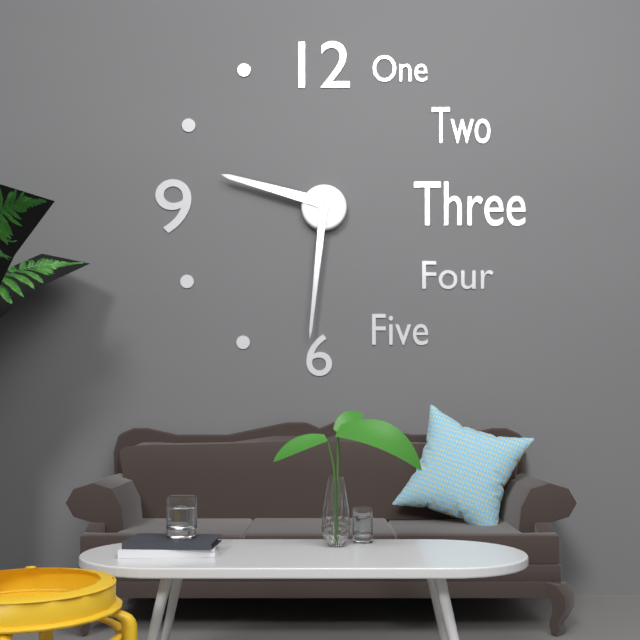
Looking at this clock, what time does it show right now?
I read 9:31
